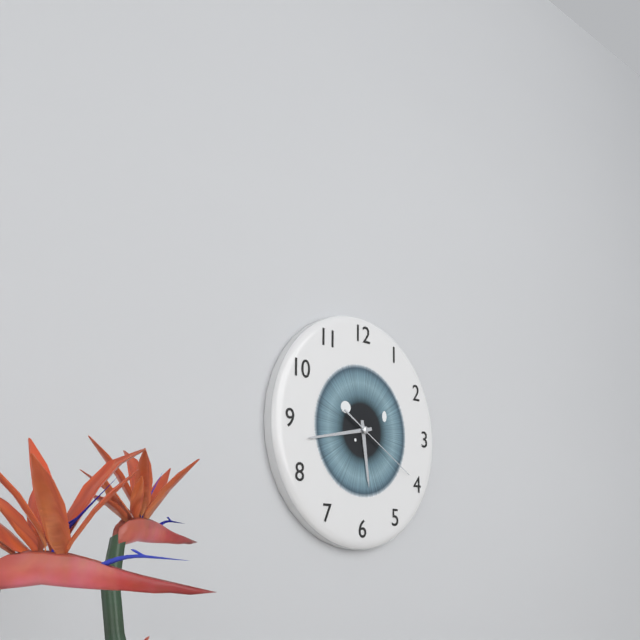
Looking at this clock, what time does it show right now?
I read 5:43:20
